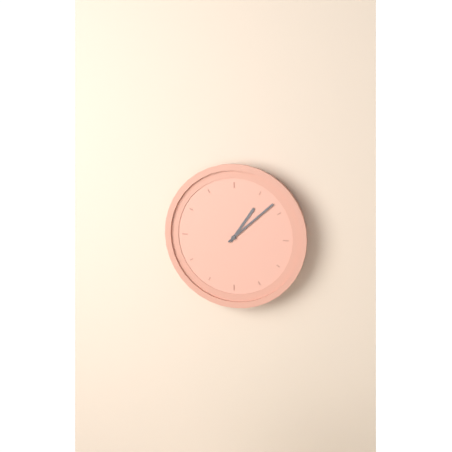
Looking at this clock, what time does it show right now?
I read 1:08
